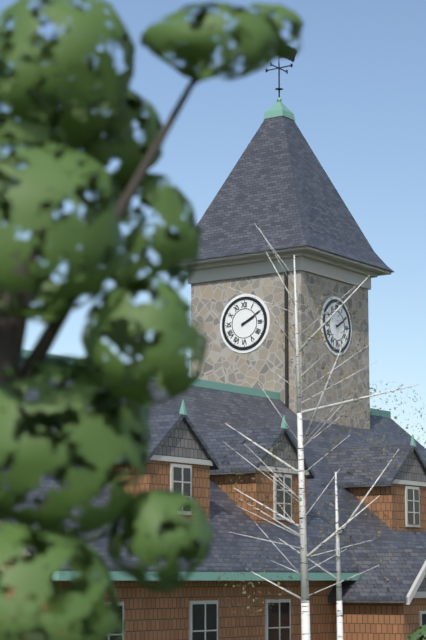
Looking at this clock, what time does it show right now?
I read 2:10
